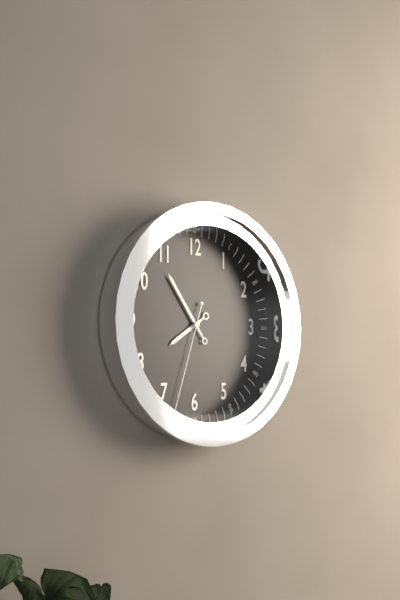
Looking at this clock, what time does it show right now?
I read 7:54:33
